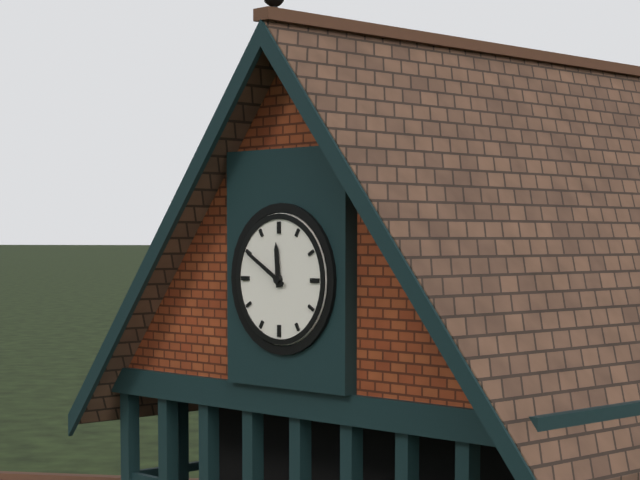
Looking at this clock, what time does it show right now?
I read 11:50
